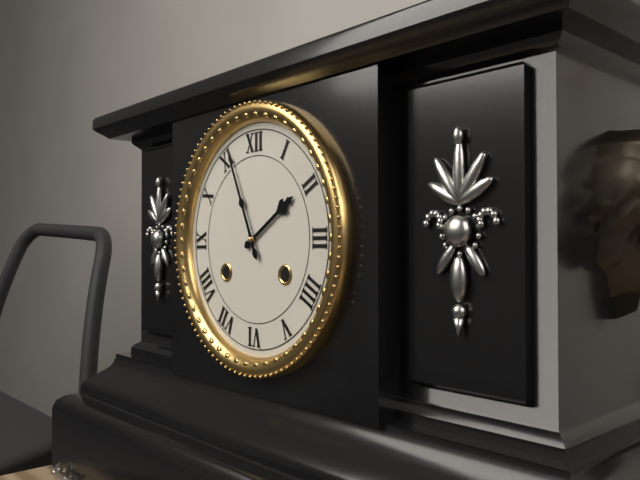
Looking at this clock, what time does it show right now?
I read 1:56
